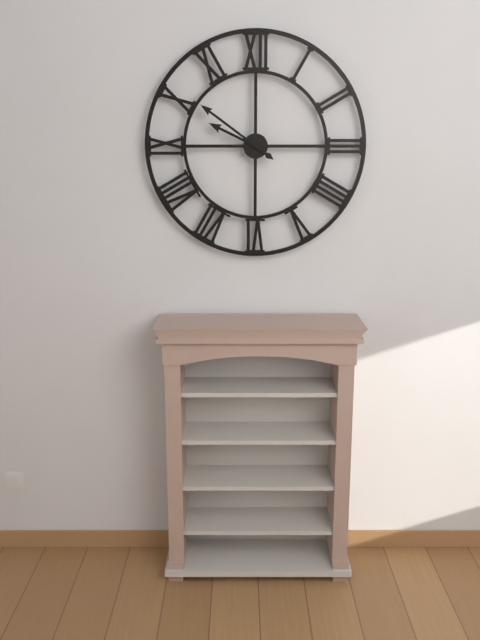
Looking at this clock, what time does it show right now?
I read 9:51
